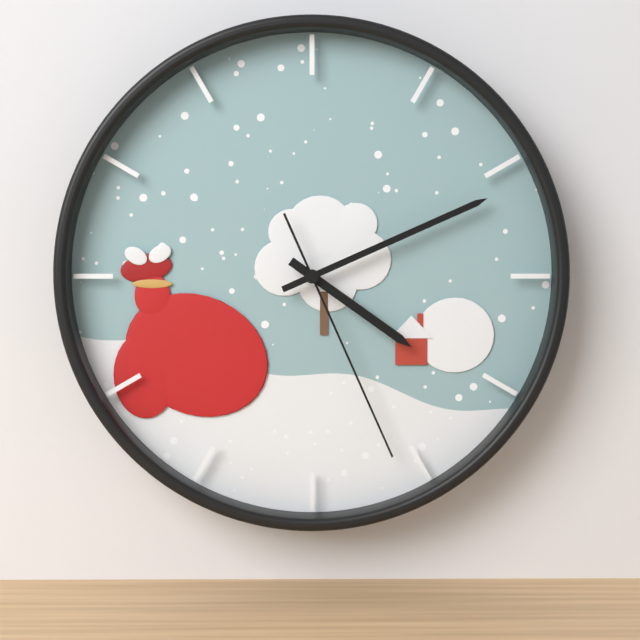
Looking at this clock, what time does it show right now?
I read 4:11:26
